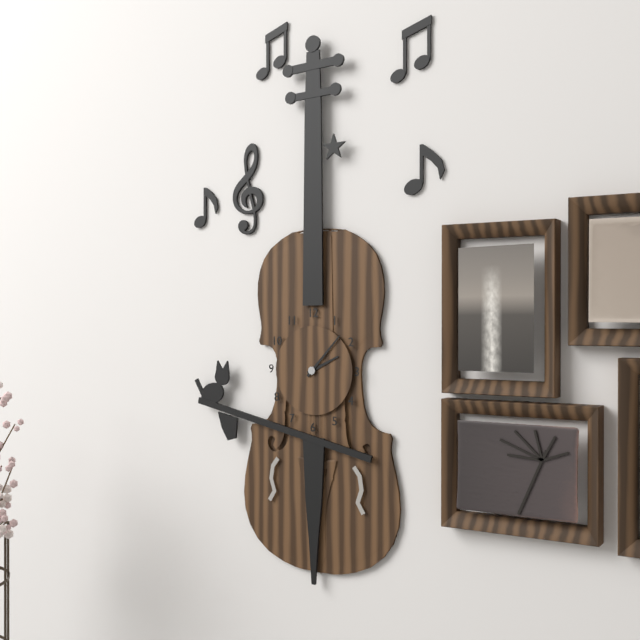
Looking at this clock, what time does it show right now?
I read 2:07
